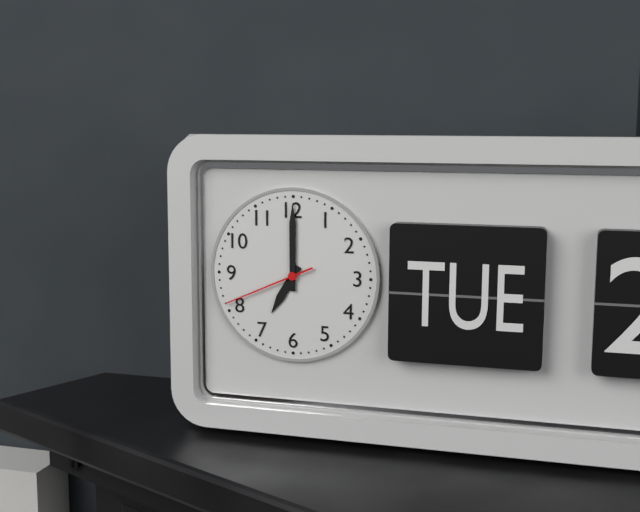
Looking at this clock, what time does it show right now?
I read 7:00:41
